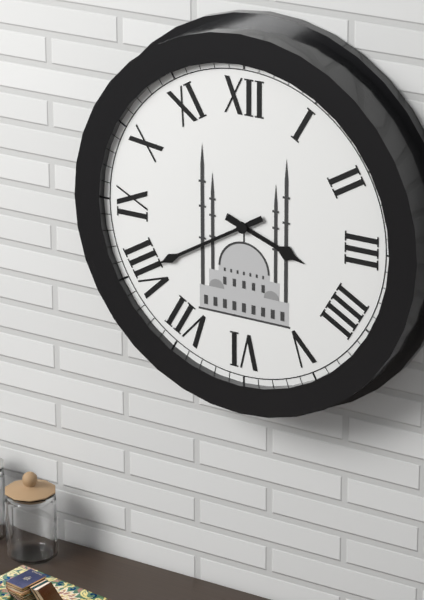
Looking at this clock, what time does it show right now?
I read 3:40
